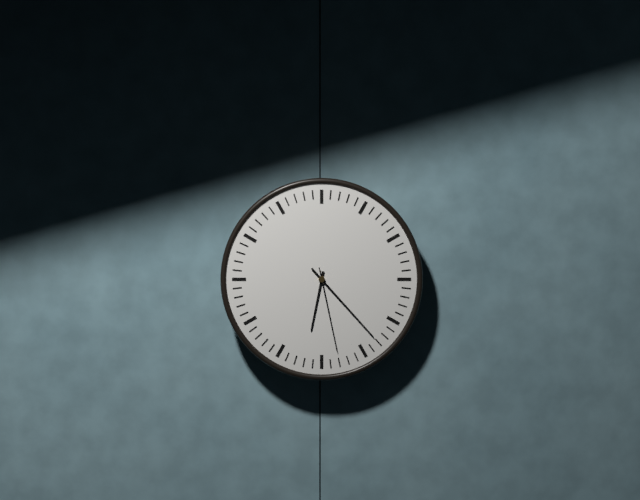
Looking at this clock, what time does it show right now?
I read 6:23:28
